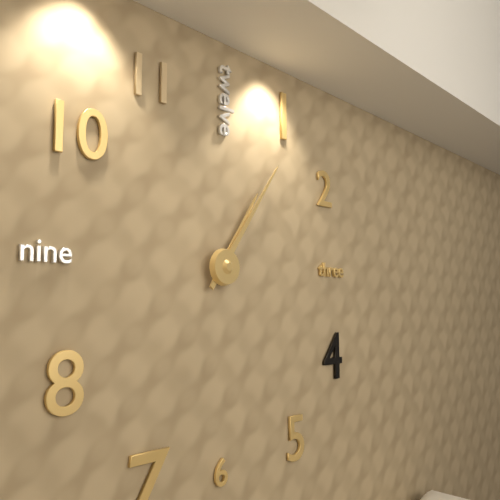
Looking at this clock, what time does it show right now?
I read 1:06
